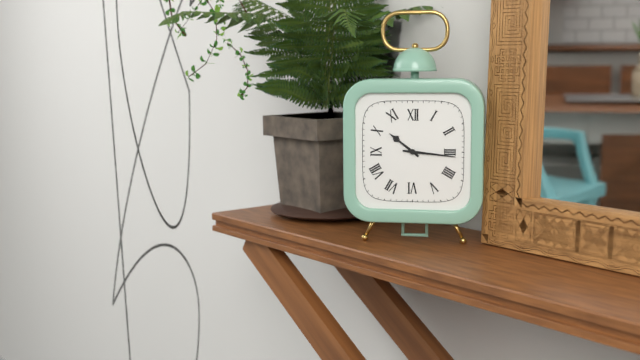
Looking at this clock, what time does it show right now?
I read 10:16
